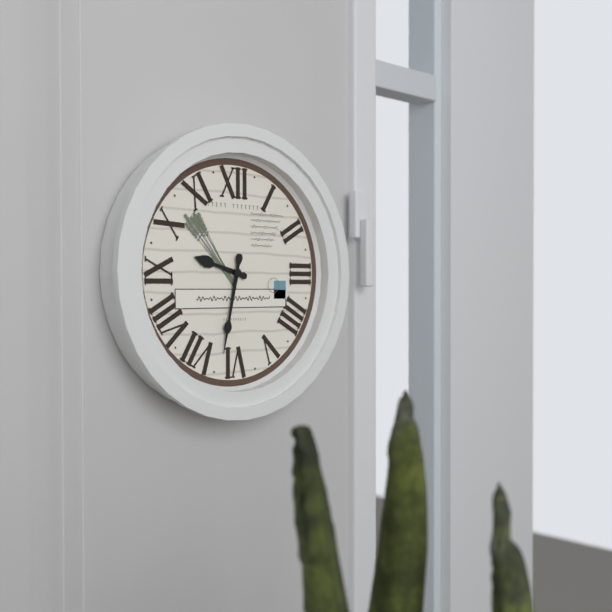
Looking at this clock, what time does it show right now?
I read 9:32
